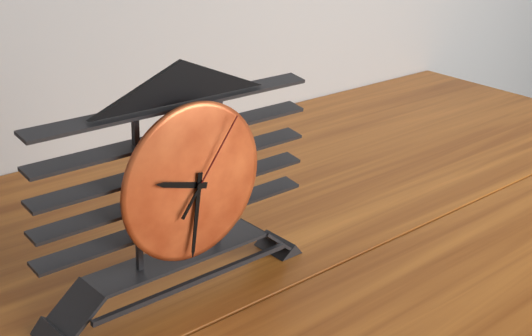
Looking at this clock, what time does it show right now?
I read 9:31:06
